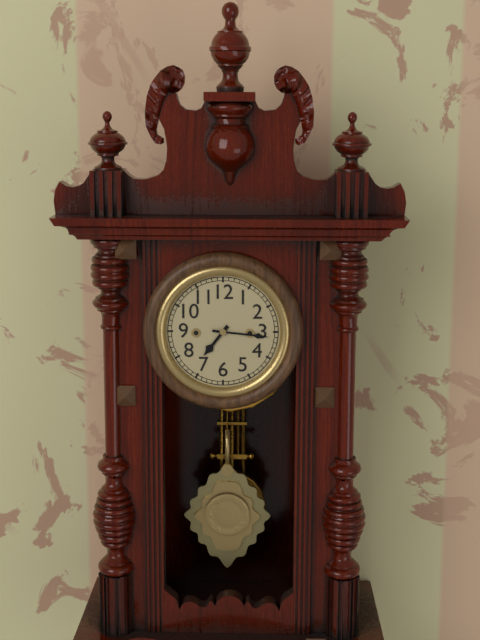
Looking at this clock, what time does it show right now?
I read 7:16
